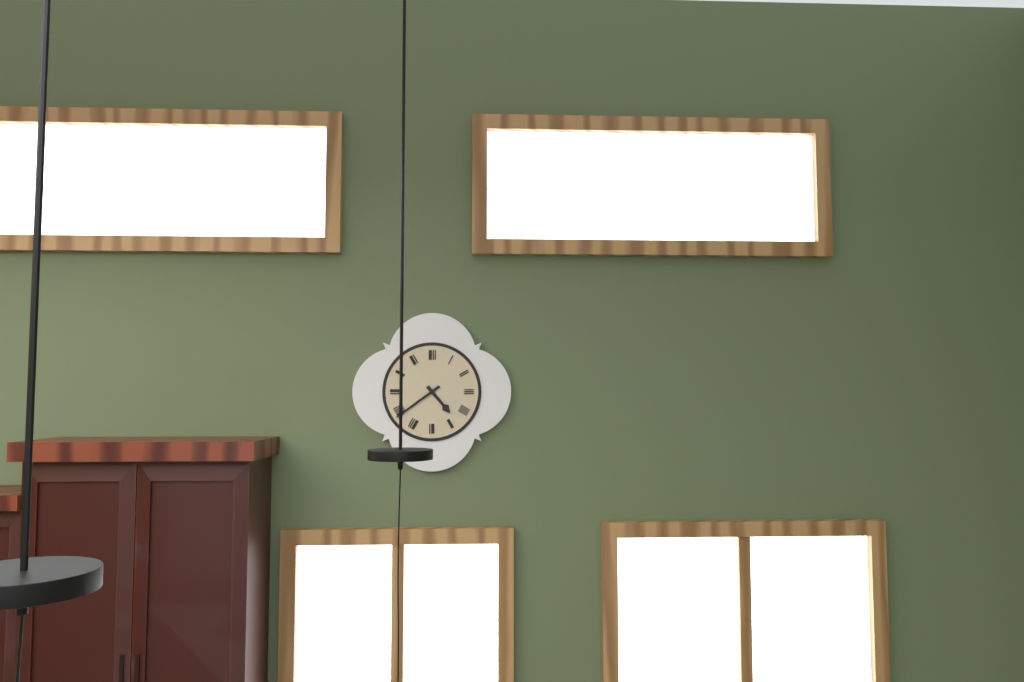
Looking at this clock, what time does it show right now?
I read 4:39
